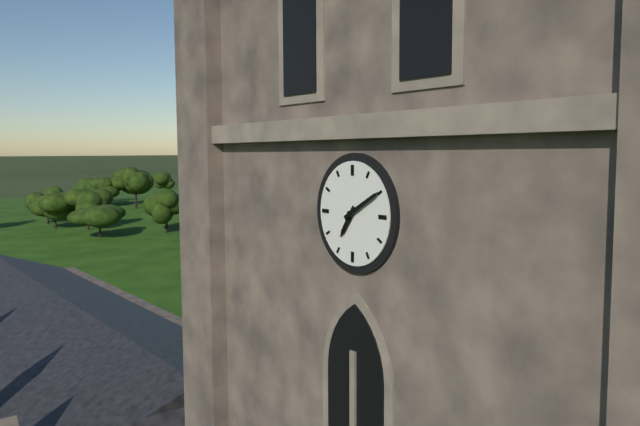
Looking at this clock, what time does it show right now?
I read 7:10
